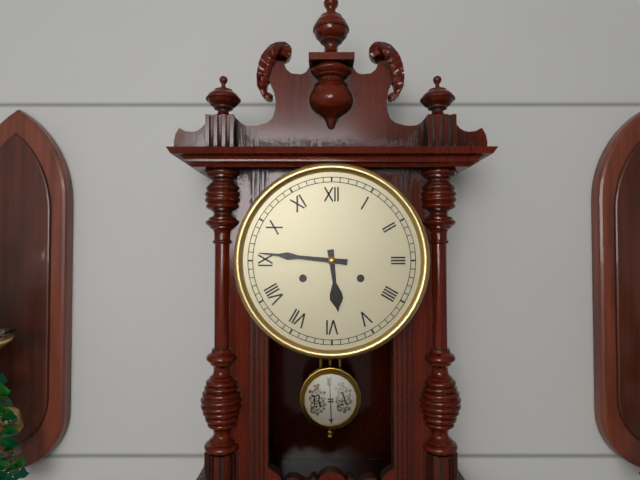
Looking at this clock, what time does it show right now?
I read 5:46
